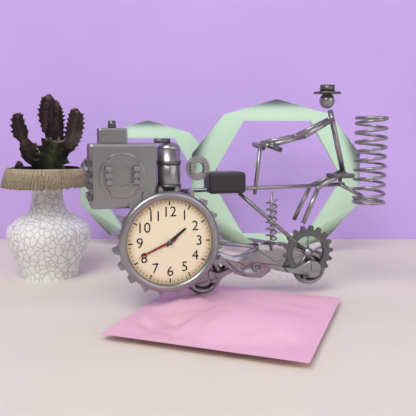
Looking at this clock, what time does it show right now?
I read 1:41
